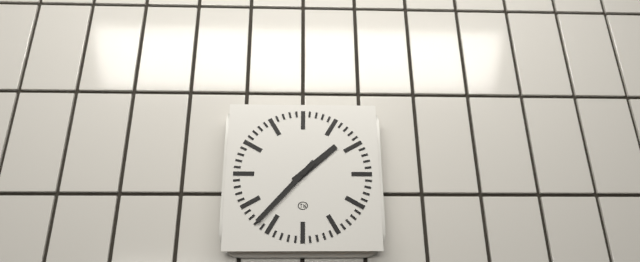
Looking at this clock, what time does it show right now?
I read 1:37
